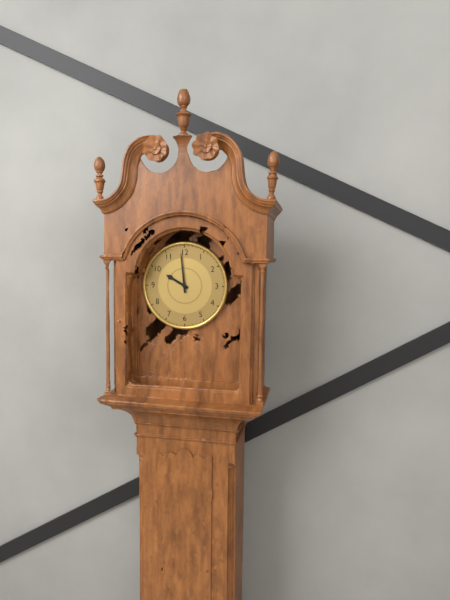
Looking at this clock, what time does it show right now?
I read 9:59
